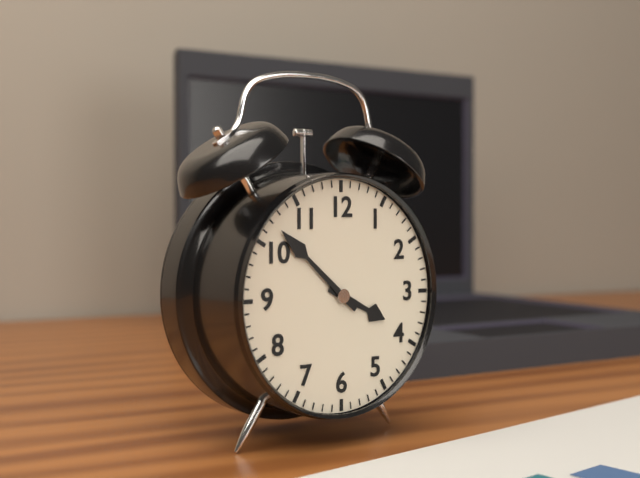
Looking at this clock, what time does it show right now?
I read 3:52
